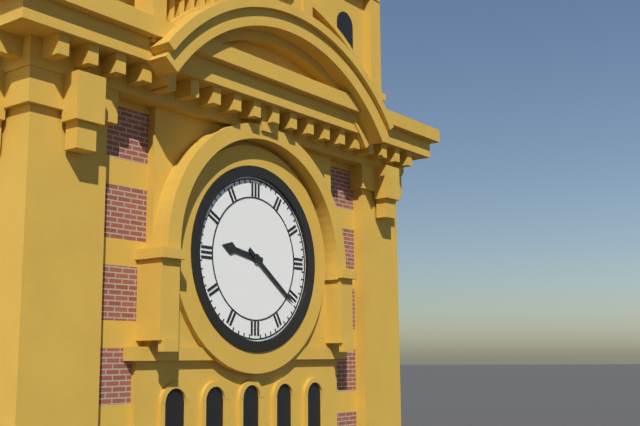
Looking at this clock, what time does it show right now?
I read 9:21
